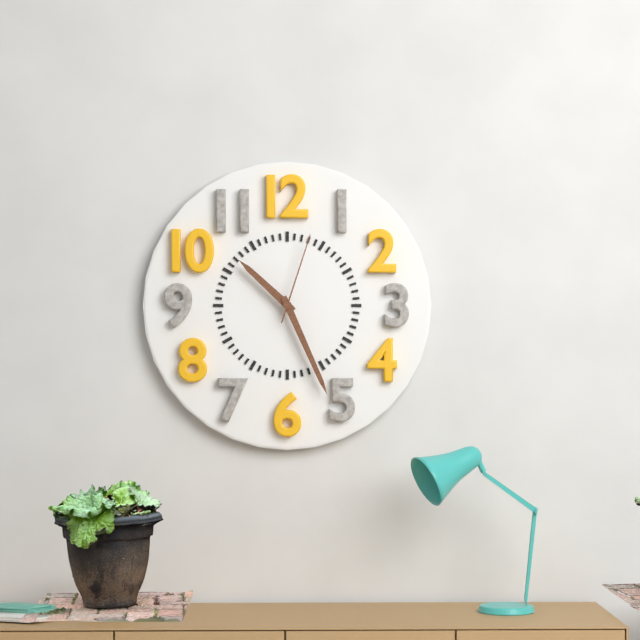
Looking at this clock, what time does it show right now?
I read 10:26:03
